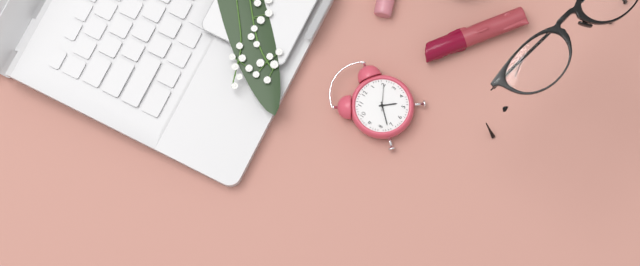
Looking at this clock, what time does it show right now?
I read 4:37
